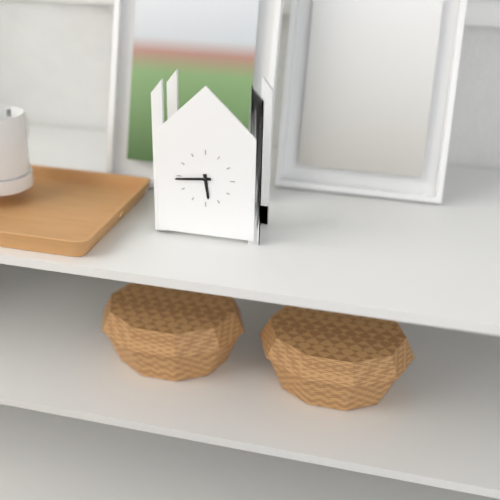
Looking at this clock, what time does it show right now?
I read 5:44
